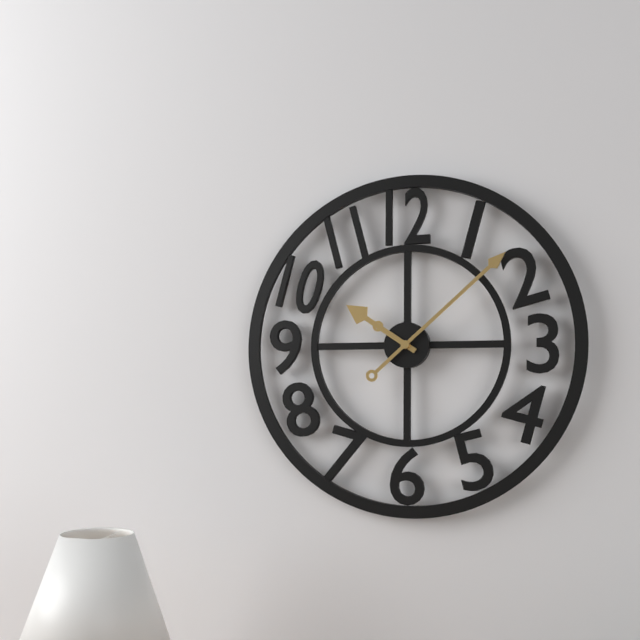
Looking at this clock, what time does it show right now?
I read 10:08
